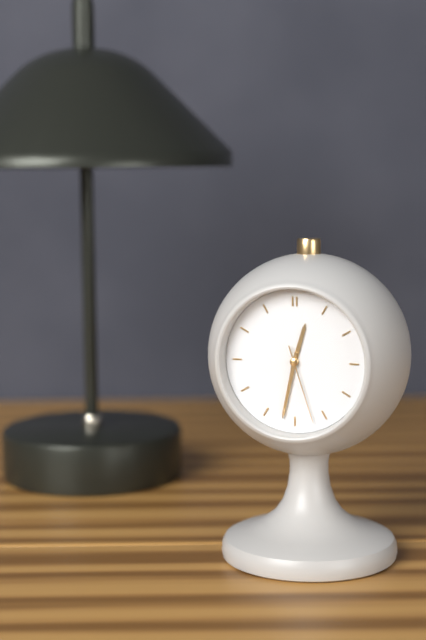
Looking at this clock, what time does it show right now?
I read 12:32:27
